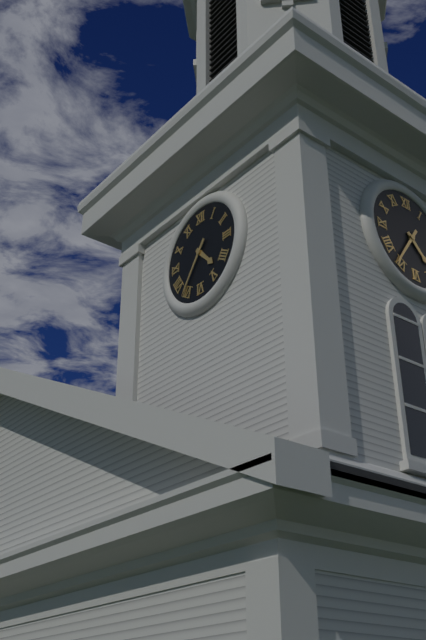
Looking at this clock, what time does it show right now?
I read 4:36
